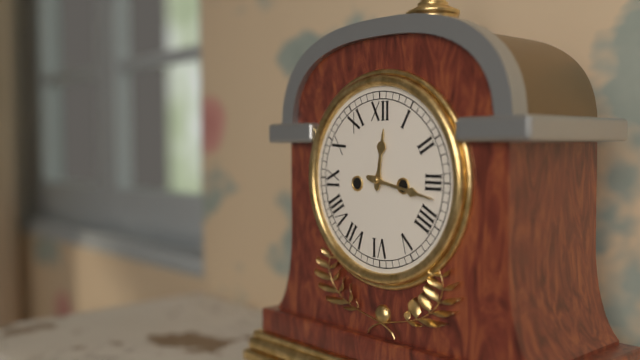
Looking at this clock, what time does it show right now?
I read 12:17
